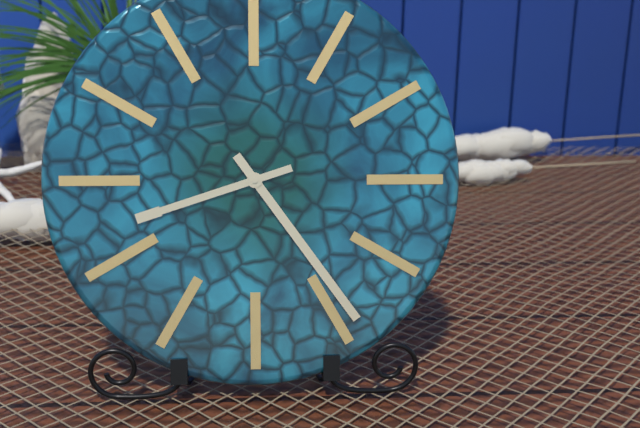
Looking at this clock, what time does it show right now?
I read 8:24
